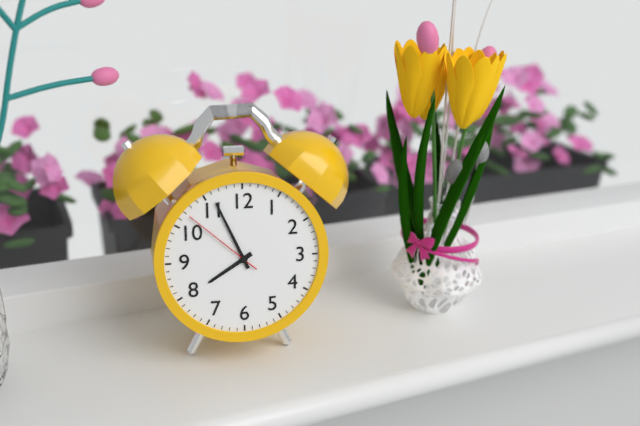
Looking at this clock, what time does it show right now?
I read 7:56:52
